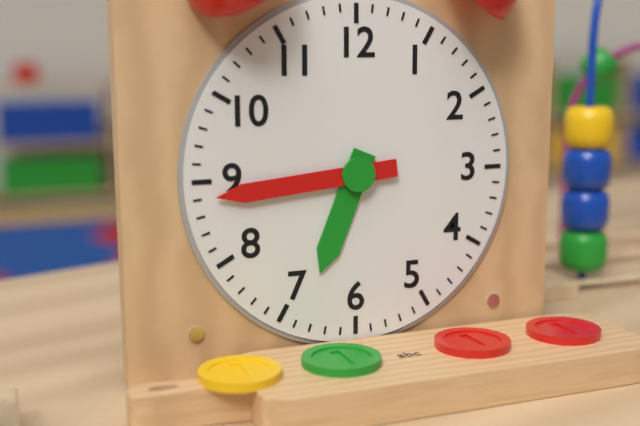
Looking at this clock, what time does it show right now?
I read 6:44
